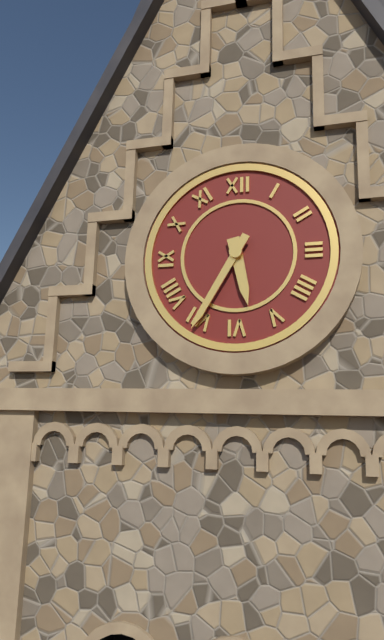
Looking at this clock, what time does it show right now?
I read 5:35
